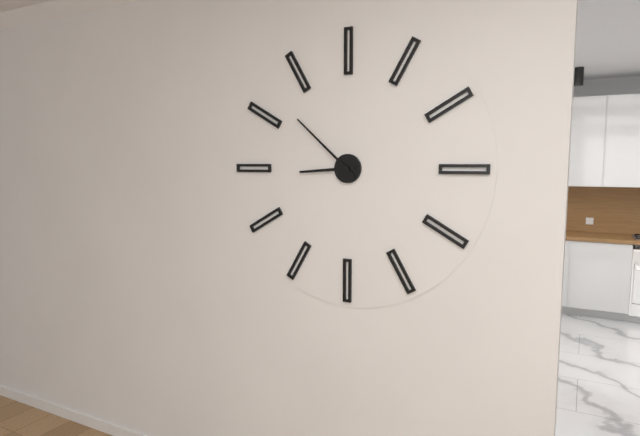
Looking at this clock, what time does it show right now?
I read 8:52
